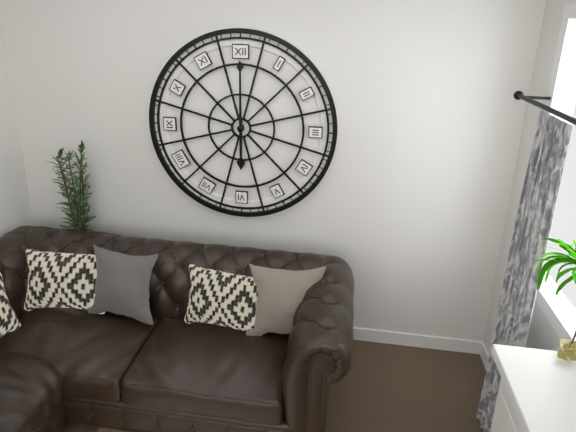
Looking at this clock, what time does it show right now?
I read 6:00
